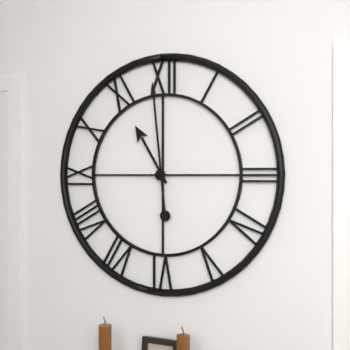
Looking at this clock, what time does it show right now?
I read 10:59
